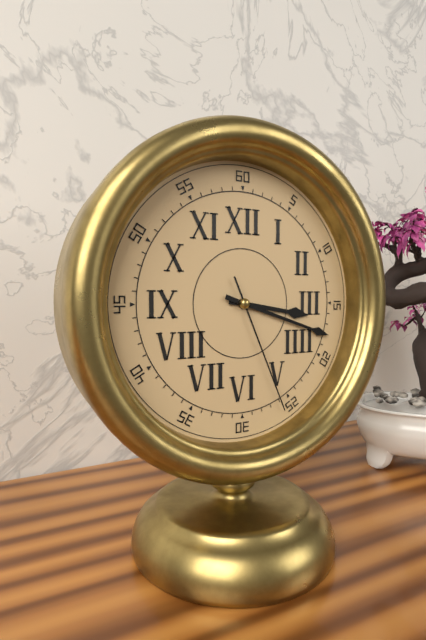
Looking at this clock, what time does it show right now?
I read 3:18:26
